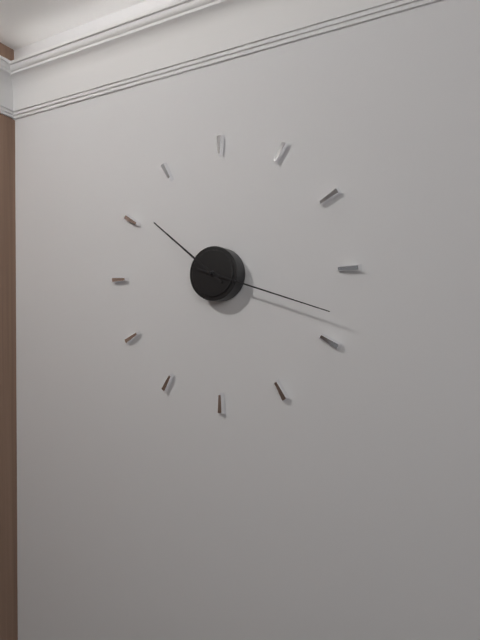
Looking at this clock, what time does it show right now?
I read 10:18
